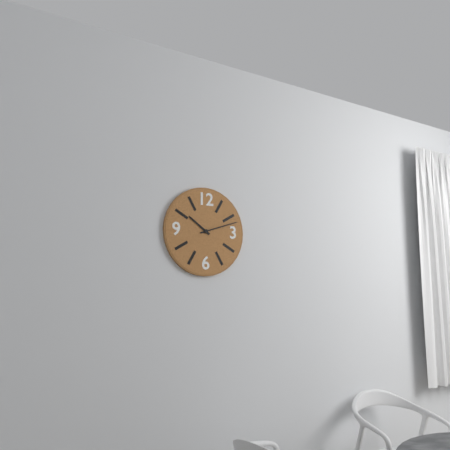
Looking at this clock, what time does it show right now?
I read 10:12
